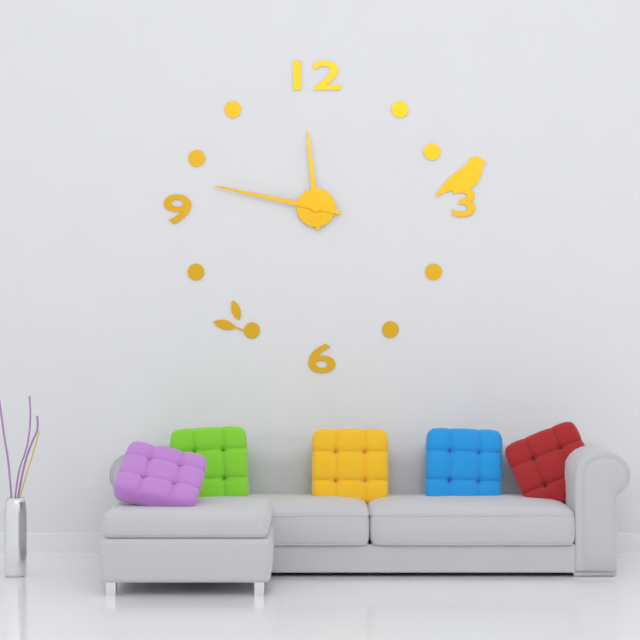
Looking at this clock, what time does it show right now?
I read 11:47
